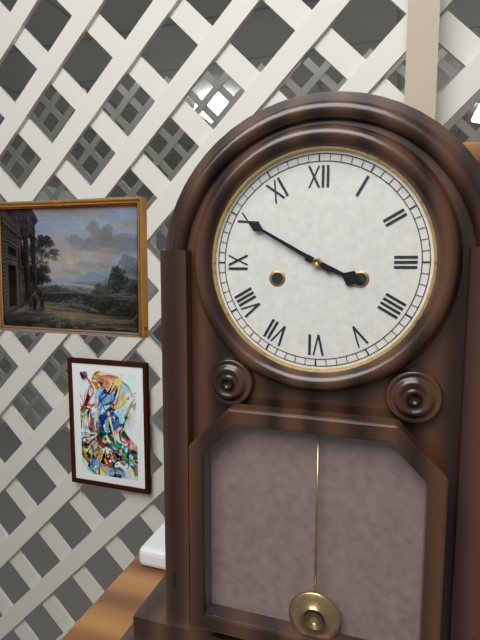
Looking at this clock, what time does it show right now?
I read 3:50
